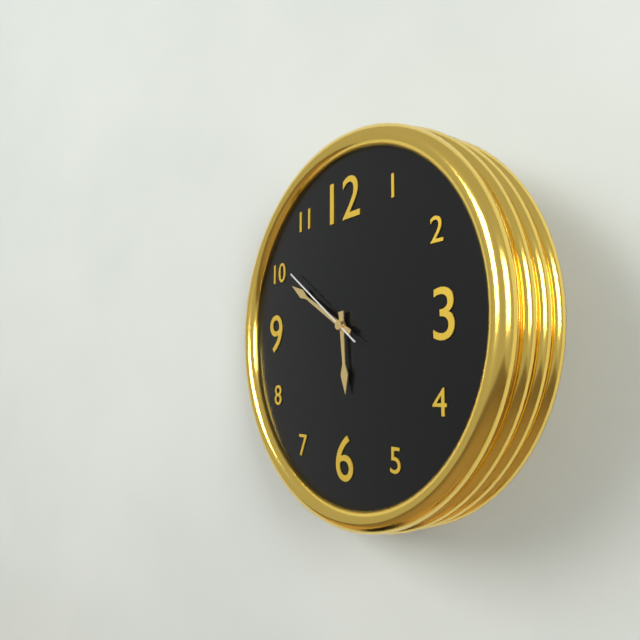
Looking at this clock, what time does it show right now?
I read 5:50:51
